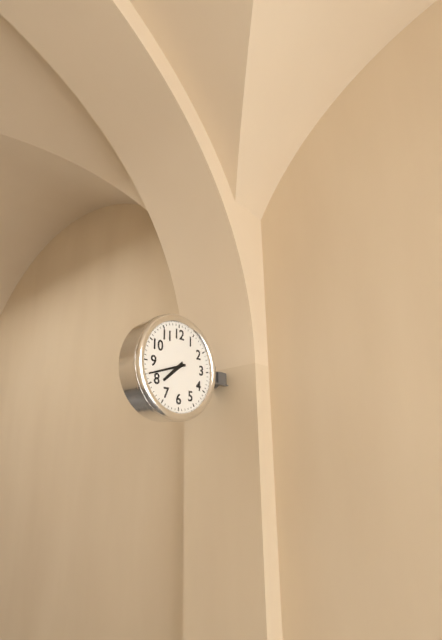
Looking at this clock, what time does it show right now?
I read 7:42
